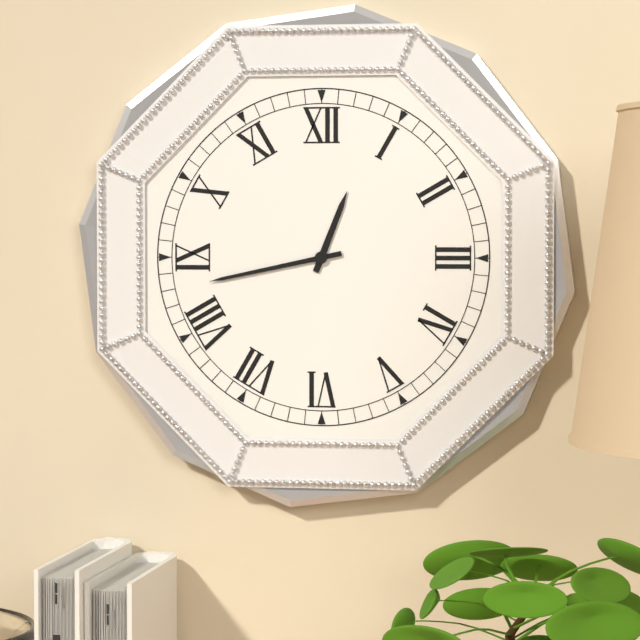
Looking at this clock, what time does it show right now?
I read 12:43
